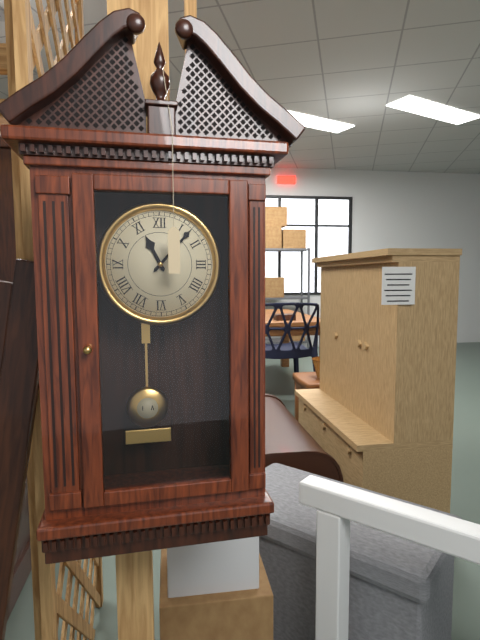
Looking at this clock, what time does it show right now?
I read 11:07
